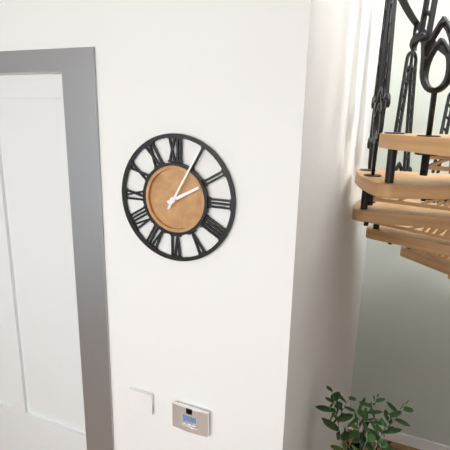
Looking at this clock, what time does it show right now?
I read 2:05
